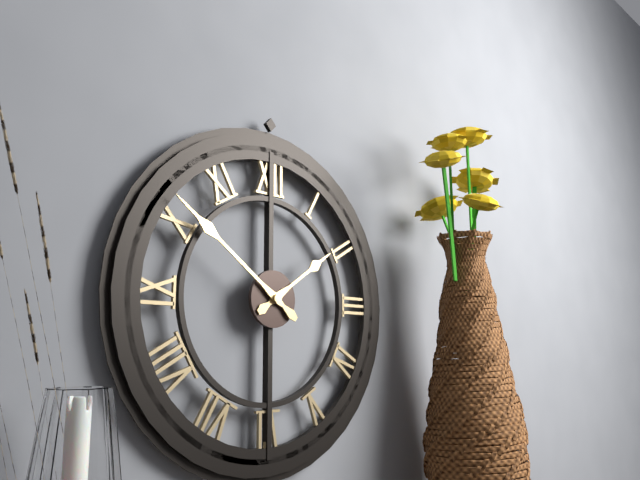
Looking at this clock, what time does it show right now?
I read 1:51
